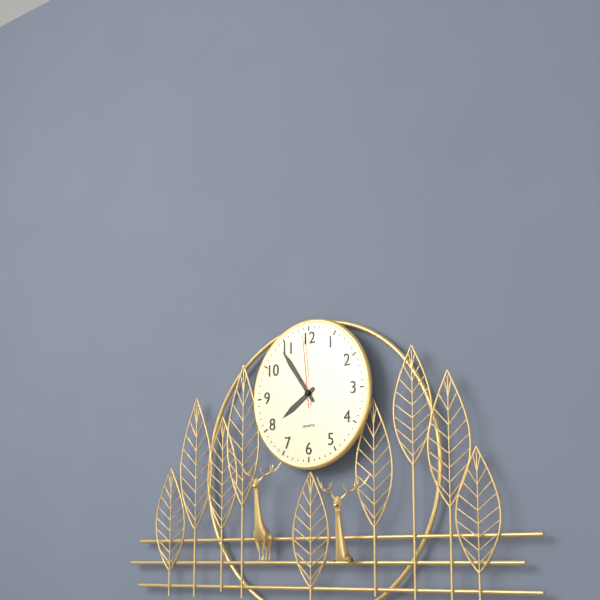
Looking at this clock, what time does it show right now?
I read 7:54:59
